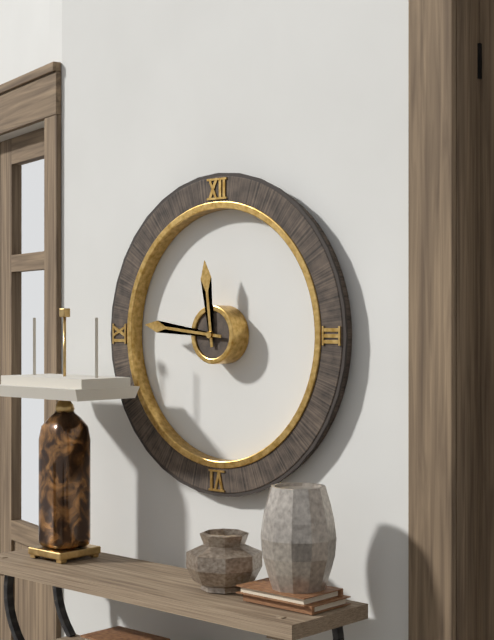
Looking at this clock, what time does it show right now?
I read 11:46
